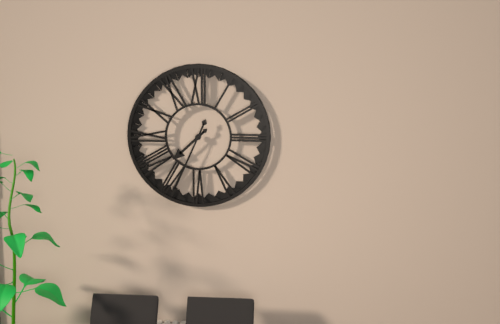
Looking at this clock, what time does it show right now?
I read 7:34
